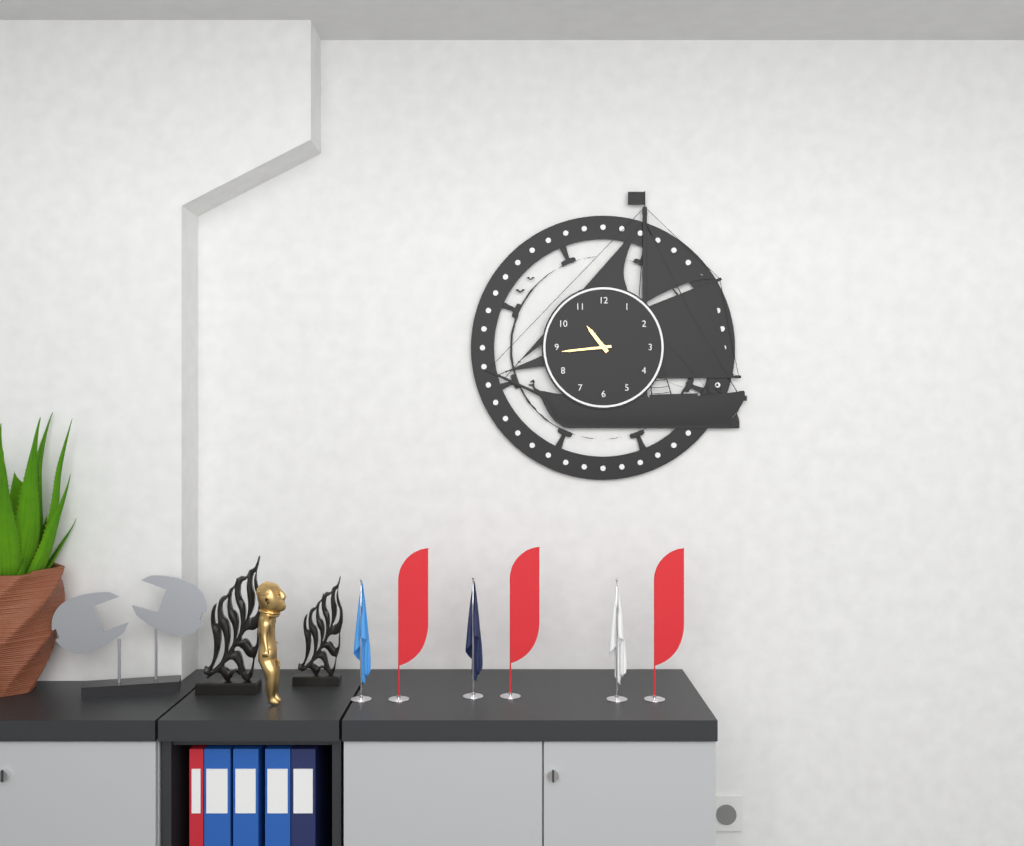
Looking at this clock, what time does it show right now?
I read 10:44
